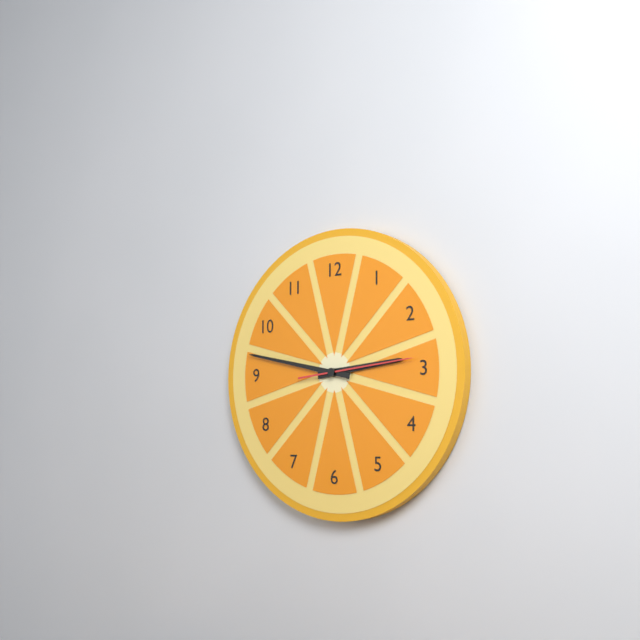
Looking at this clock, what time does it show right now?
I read 2:47:14
